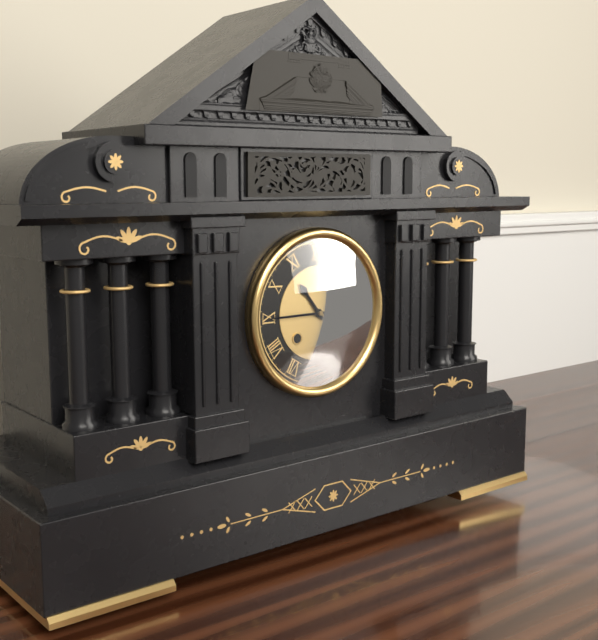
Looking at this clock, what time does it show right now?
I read 10:45
